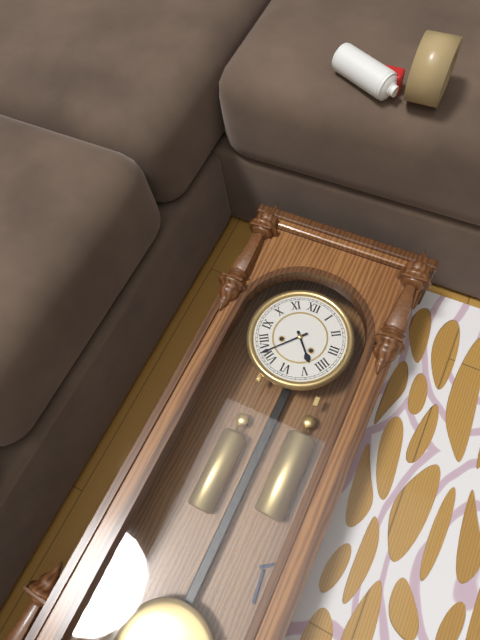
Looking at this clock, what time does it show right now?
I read 4:37
